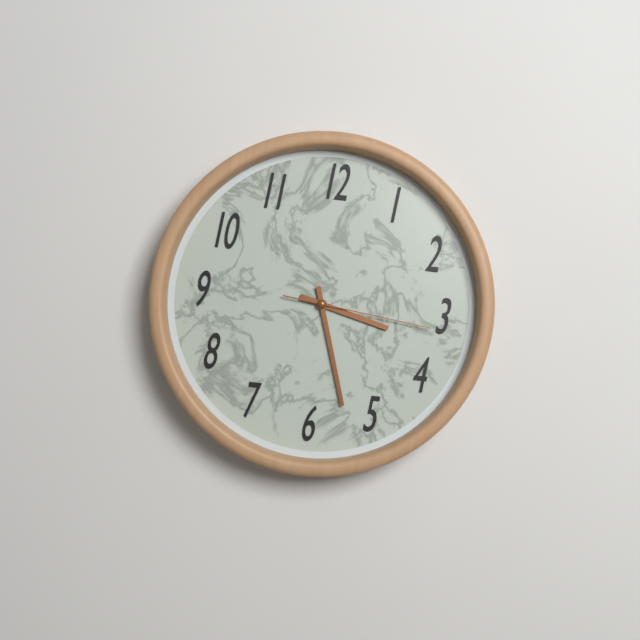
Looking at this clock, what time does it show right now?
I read 3:27:16
